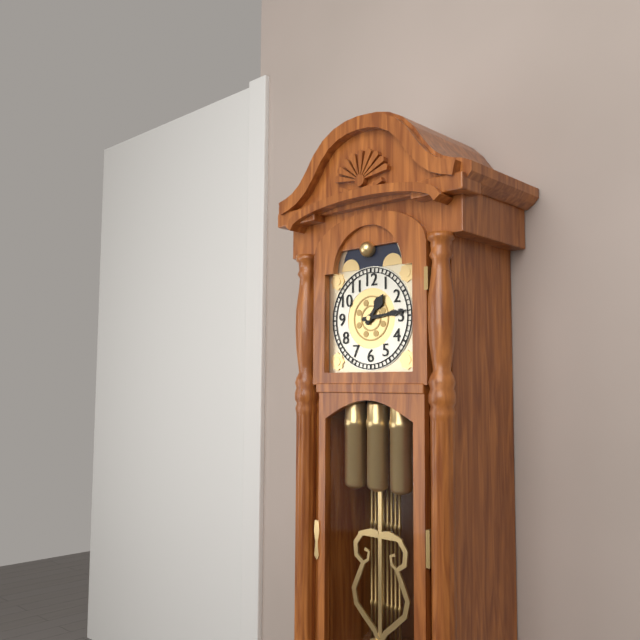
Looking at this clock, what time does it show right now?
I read 1:14
